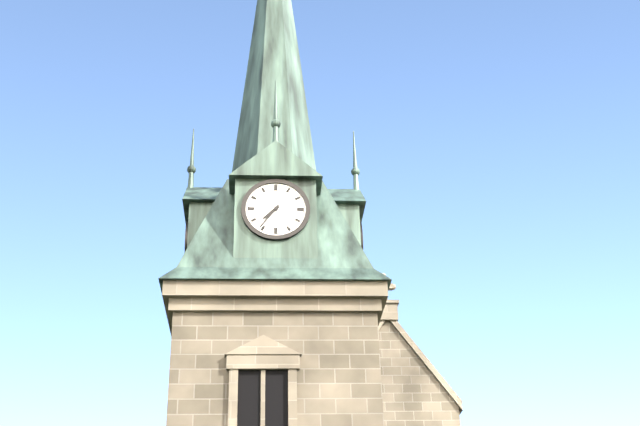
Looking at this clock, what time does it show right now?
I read 7:36
